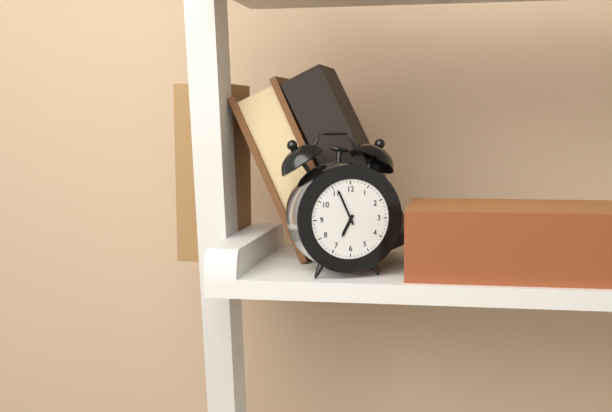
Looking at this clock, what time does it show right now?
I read 6:56
